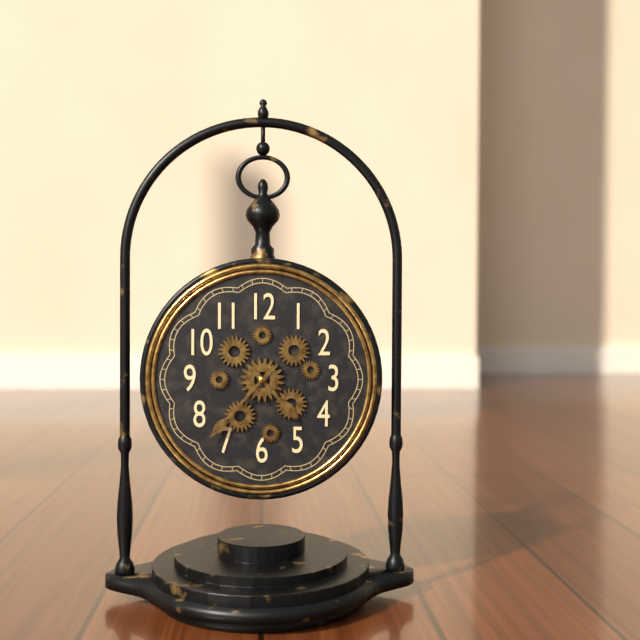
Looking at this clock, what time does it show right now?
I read 4:37
